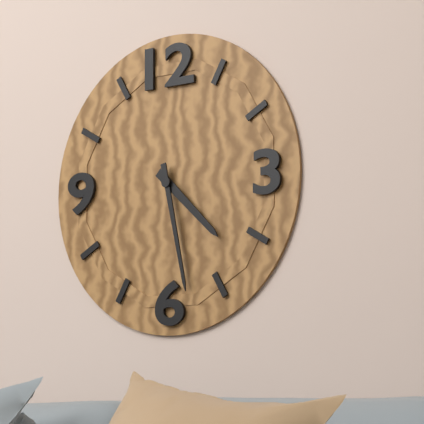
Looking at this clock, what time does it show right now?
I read 4:28
